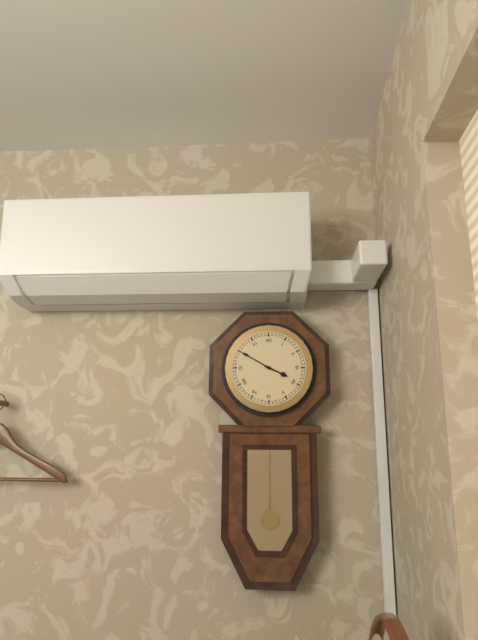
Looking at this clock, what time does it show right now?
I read 3:50
